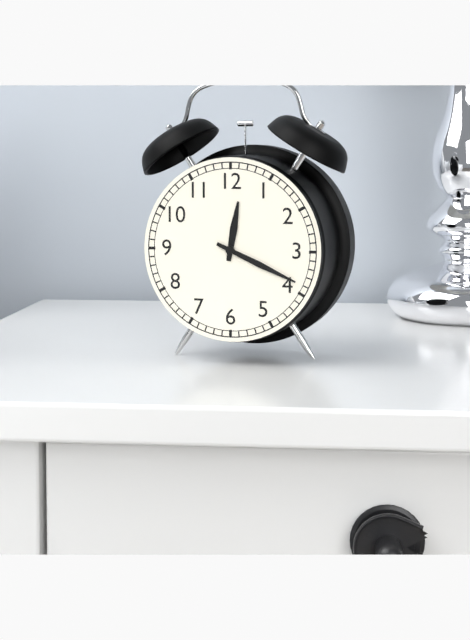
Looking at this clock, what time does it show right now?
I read 12:19
